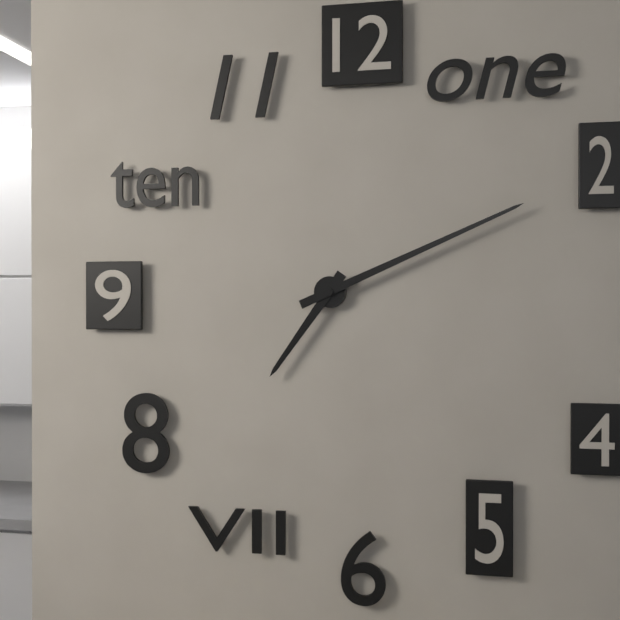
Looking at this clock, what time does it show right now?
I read 7:11
